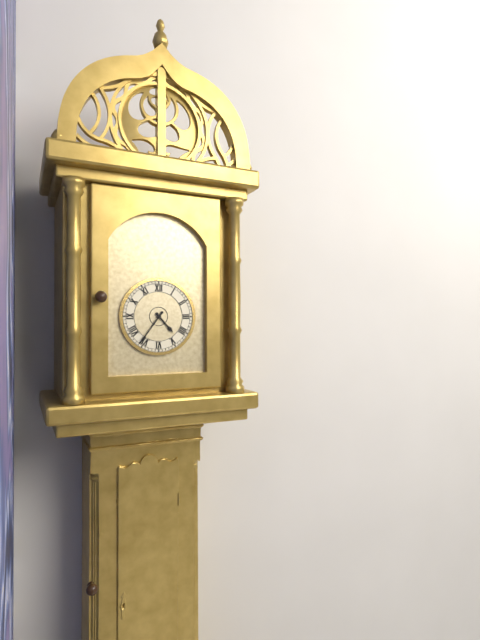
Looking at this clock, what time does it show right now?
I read 4:36
